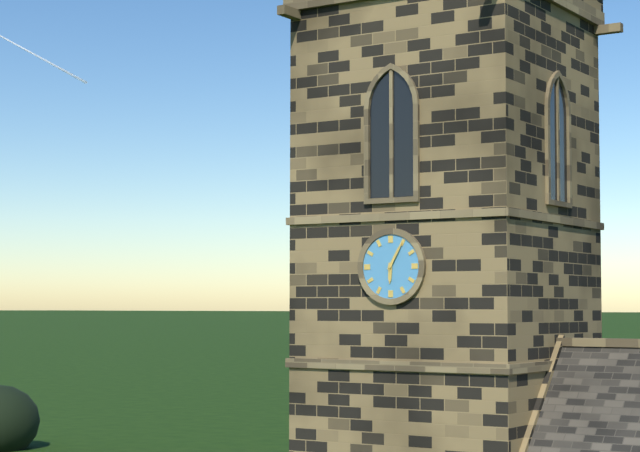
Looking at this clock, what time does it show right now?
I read 6:05
